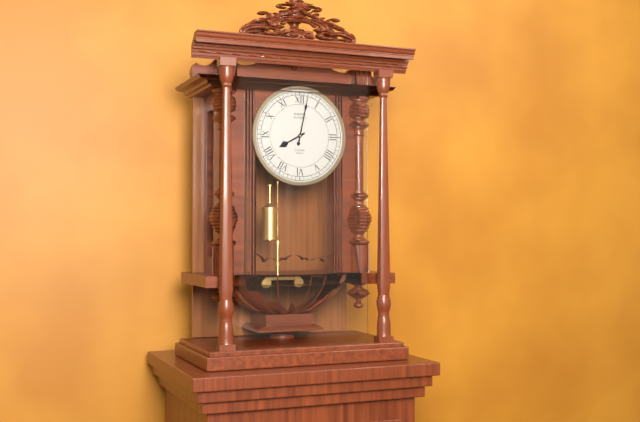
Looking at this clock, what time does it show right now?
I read 8:02
